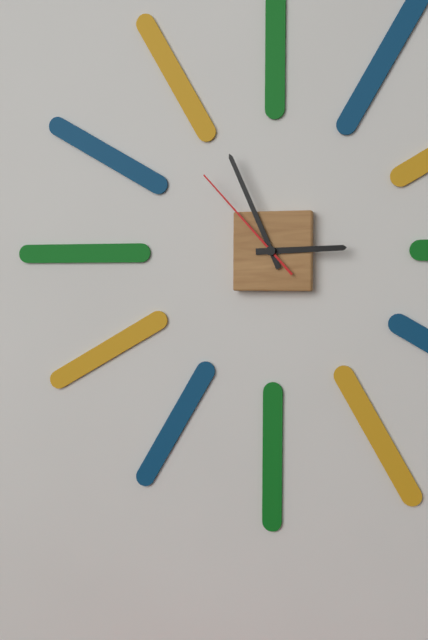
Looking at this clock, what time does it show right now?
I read 2:56:53
